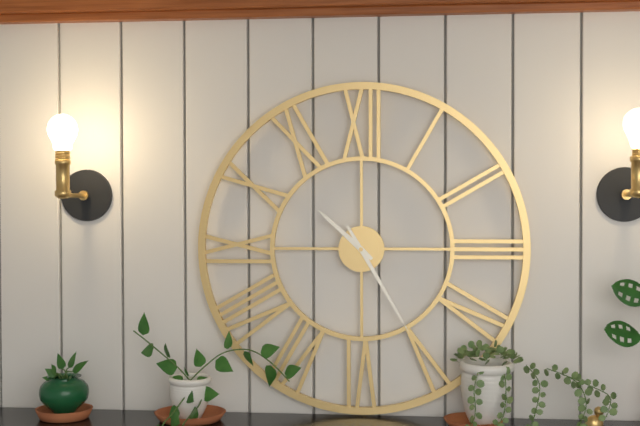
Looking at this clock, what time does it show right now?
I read 10:25
